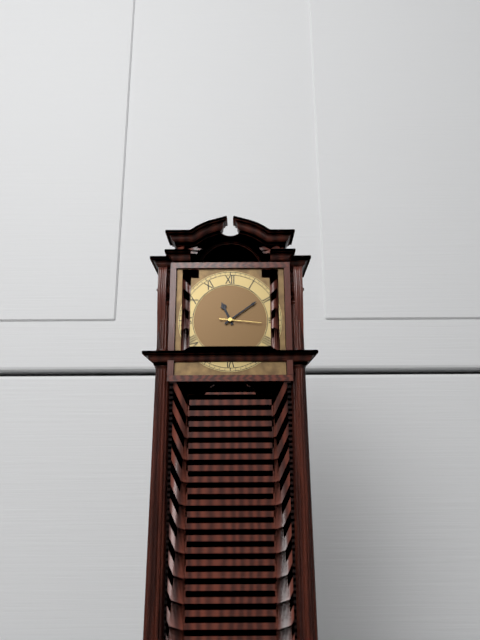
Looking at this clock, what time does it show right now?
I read 11:09
